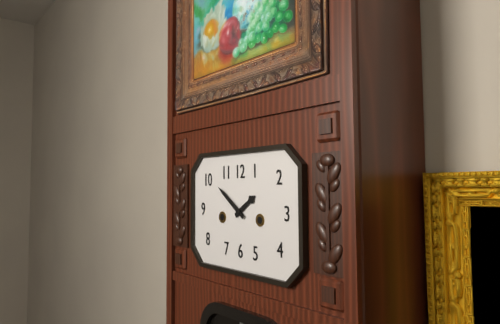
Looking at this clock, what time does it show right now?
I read 1:51
